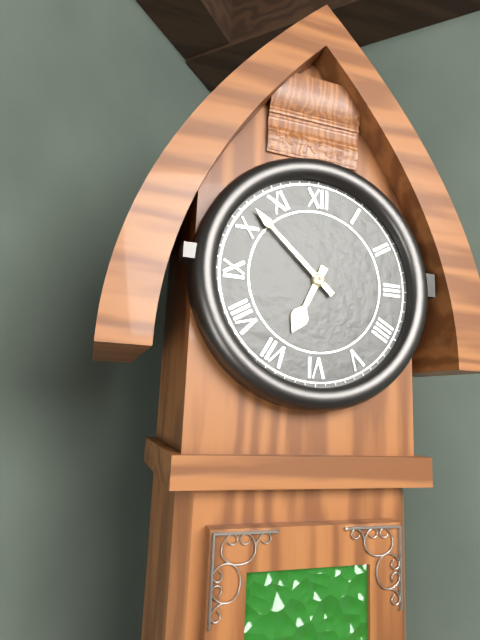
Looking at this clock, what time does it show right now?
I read 6:52
